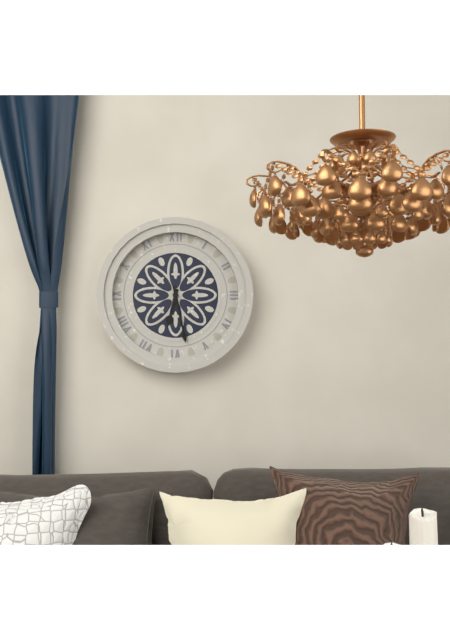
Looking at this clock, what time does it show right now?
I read 6:28
